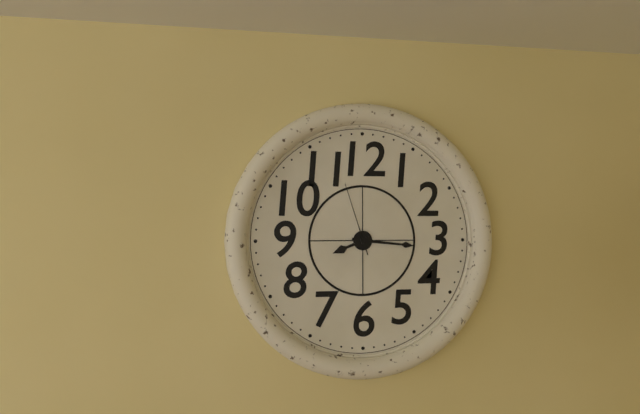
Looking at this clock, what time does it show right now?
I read 8:16:57
